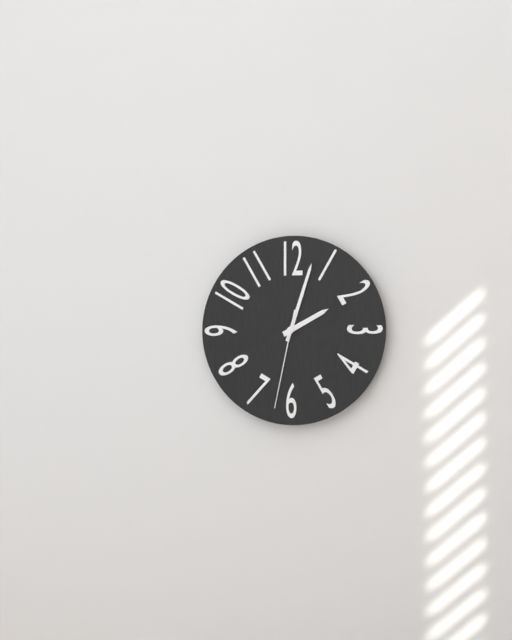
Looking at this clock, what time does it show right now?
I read 2:03:32
